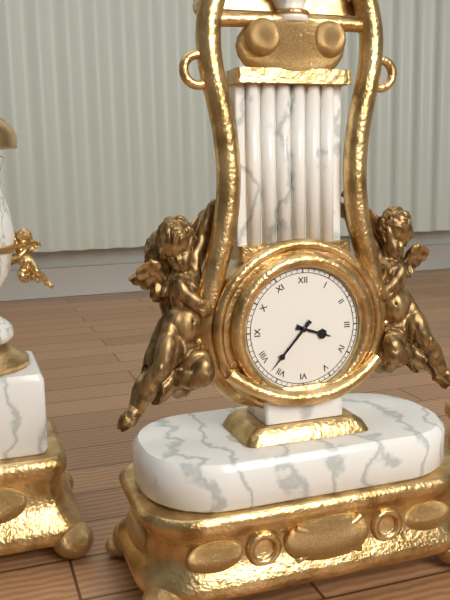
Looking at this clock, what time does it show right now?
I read 3:37
